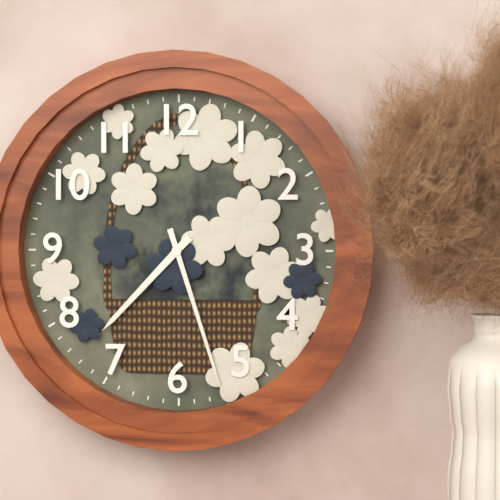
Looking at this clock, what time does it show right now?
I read 7:27
